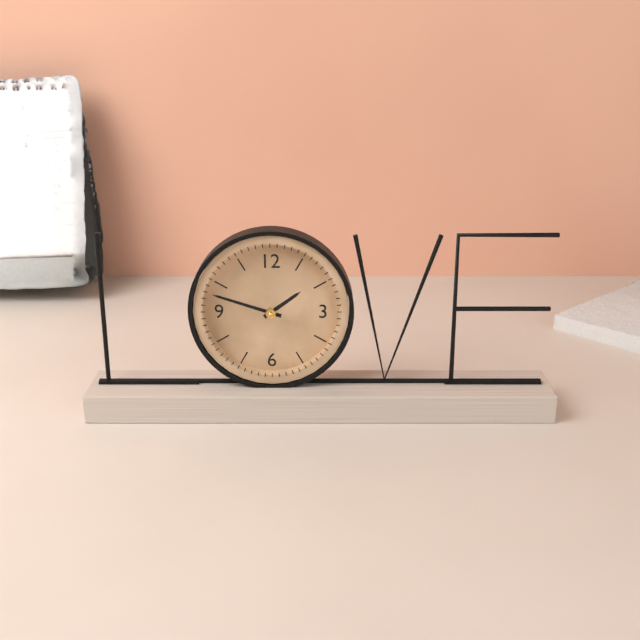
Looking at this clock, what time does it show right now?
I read 1:48
